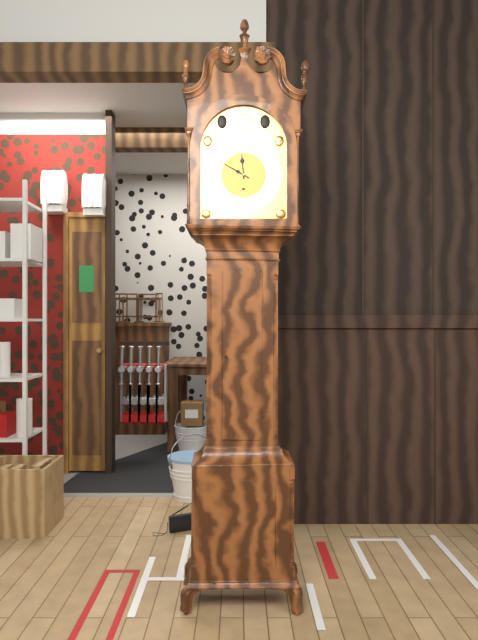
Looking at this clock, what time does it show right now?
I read 11:50
